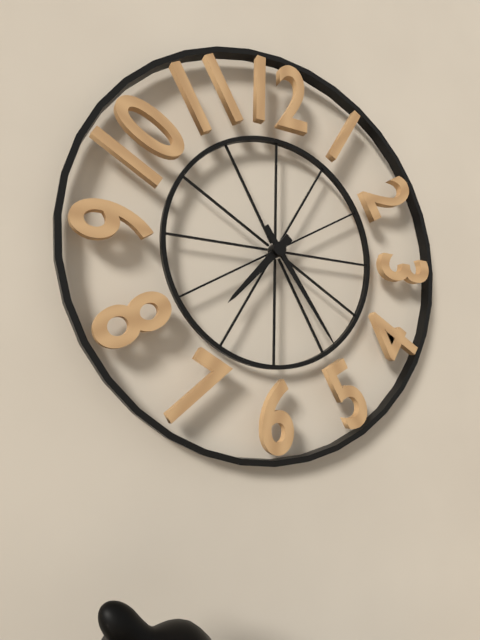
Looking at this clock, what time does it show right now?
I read 7:24
